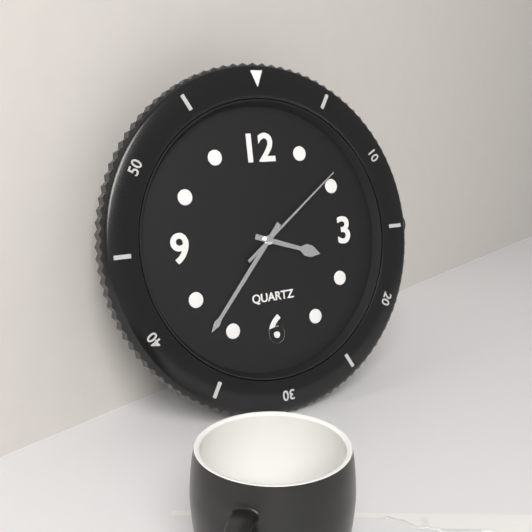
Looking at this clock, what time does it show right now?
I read 3:37:09
